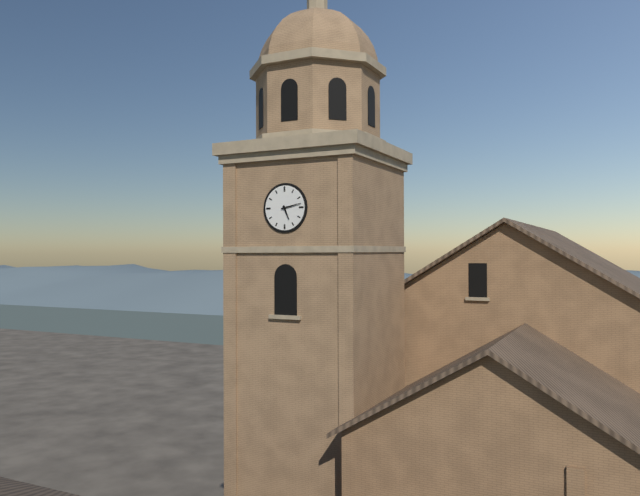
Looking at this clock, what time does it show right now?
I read 5:13
